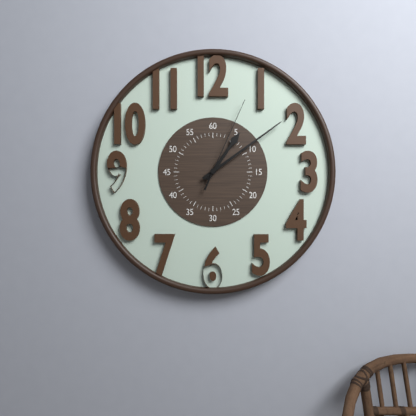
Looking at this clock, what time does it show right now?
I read 1:09:04
